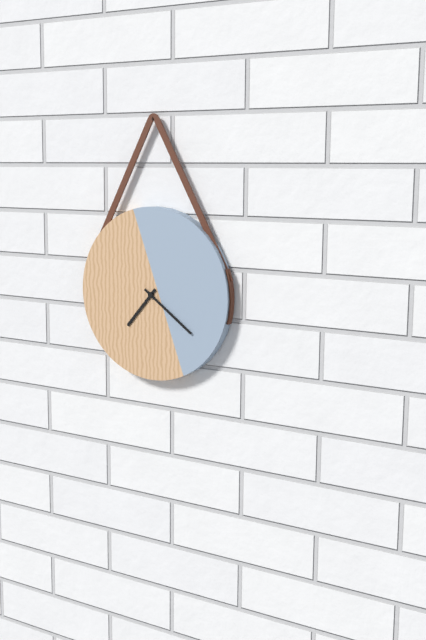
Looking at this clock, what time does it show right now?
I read 7:21
